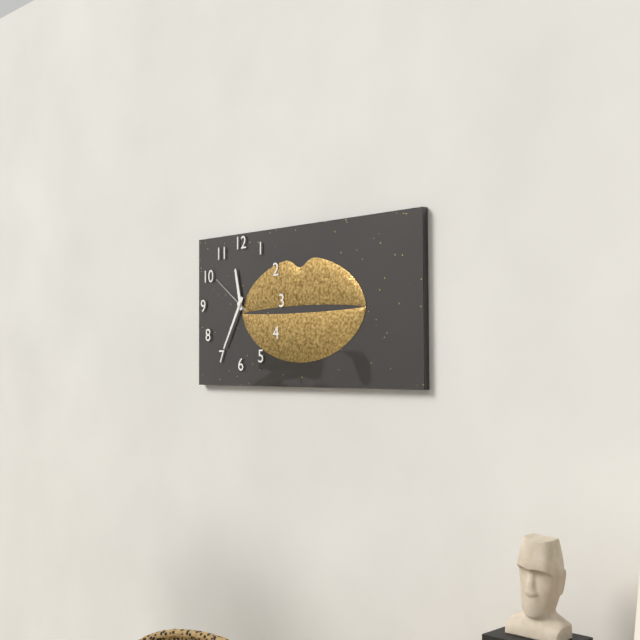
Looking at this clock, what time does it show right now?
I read 11:35
